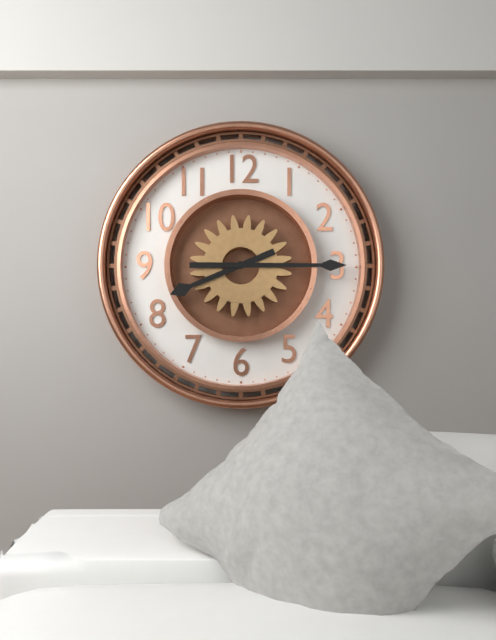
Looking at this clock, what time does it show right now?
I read 8:15
